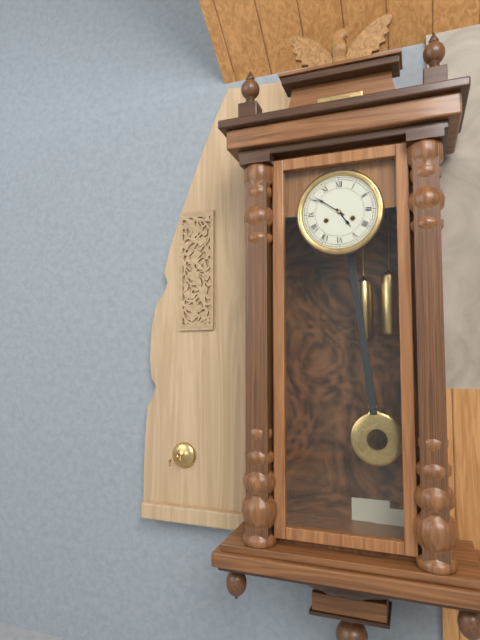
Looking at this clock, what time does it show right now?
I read 4:51
